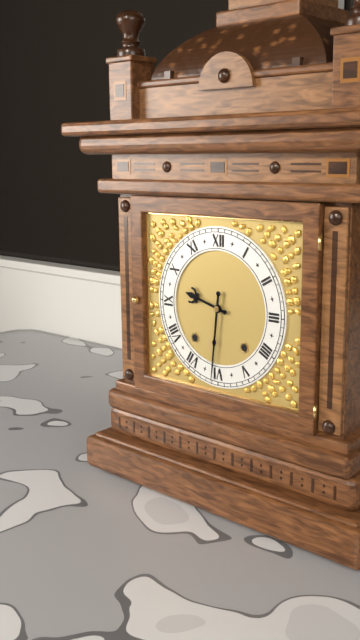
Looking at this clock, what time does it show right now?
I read 9:31
